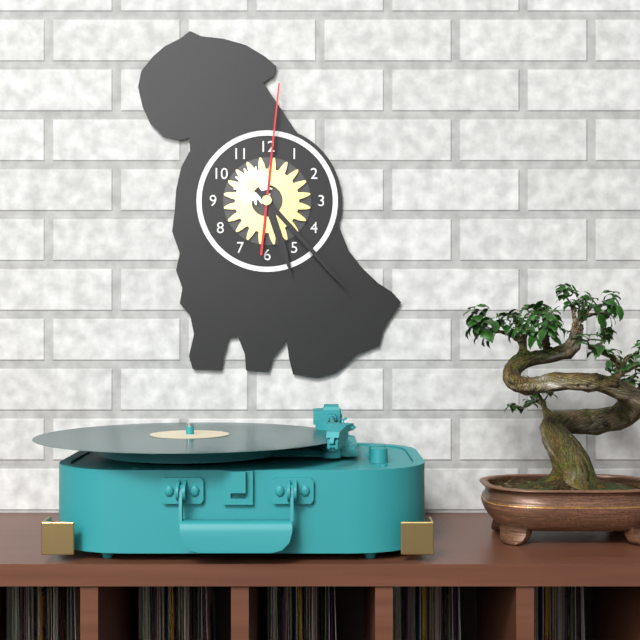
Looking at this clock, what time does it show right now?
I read 5:23:01
